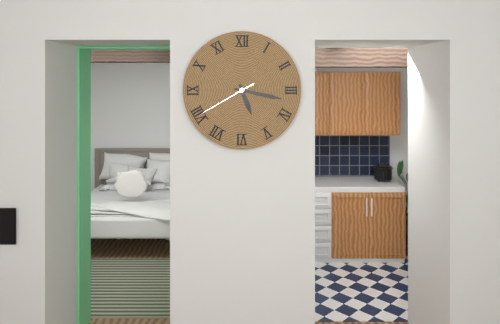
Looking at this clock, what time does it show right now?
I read 5:17:40
